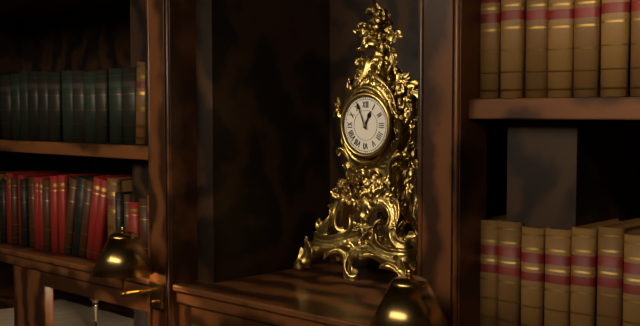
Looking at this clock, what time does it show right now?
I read 12:56
